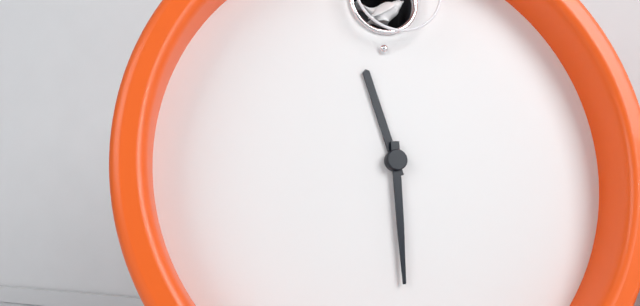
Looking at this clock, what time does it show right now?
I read 11:30
